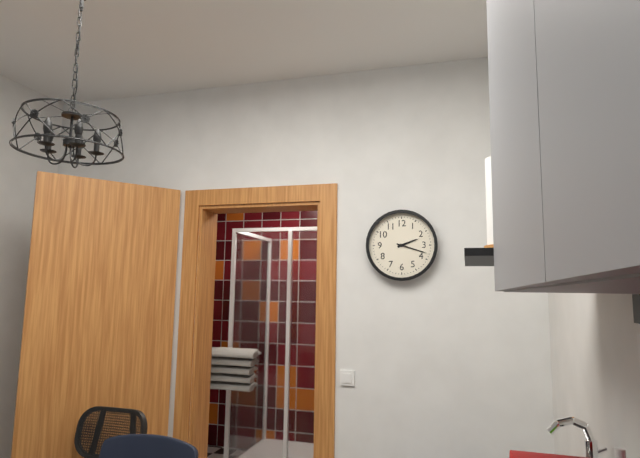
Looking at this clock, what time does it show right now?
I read 2:18
